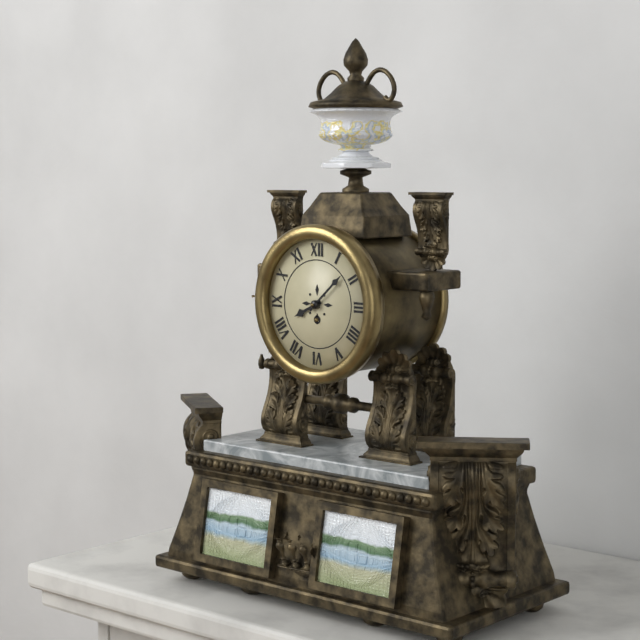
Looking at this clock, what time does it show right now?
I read 8:08
